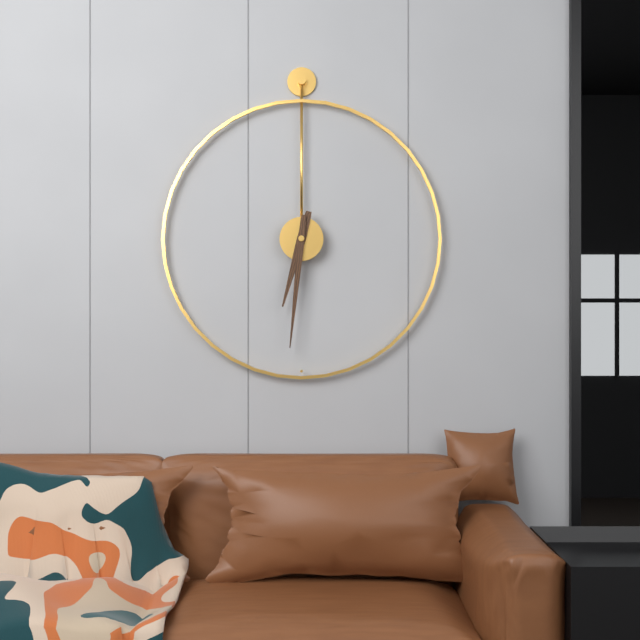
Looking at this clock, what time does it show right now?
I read 6:31
